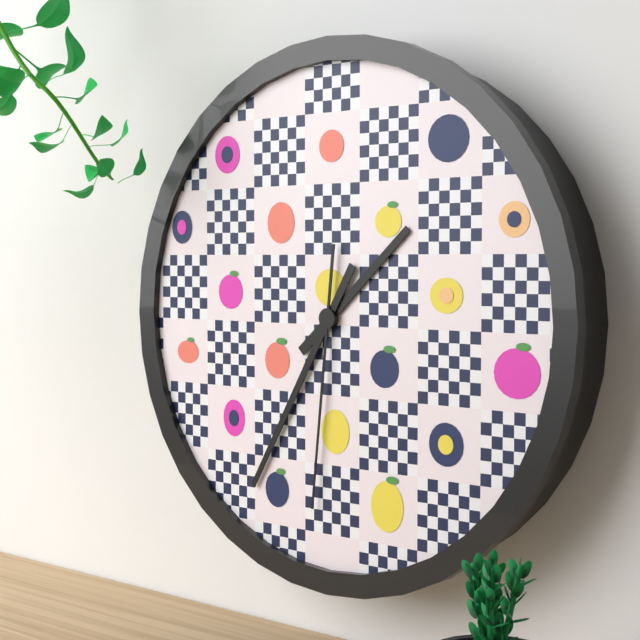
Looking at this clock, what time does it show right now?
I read 1:35:31
